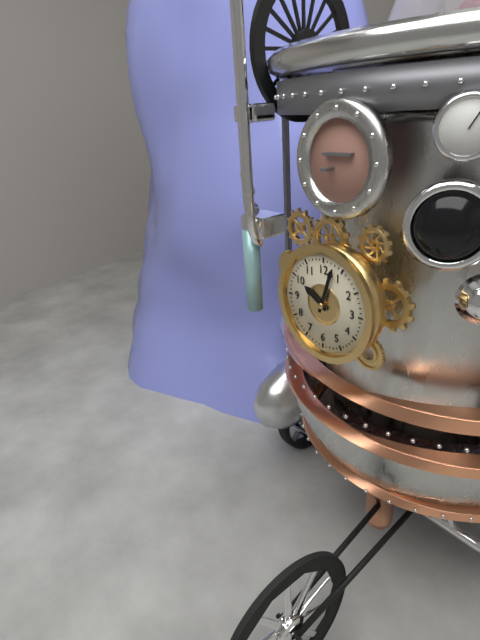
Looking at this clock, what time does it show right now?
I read 10:03
